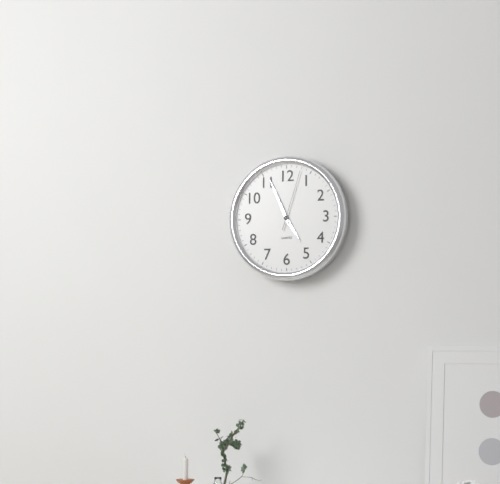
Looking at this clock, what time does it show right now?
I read 4:56:03
